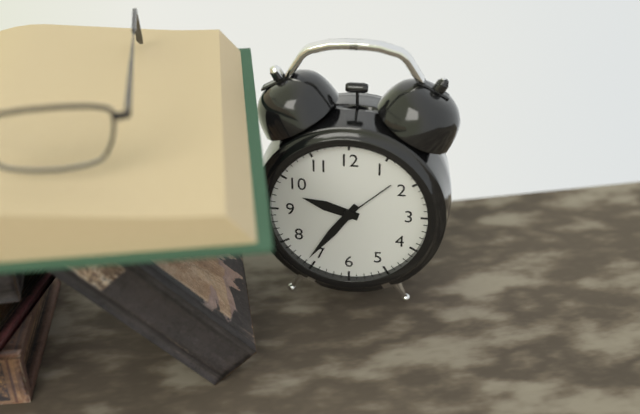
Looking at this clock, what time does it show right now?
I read 9:36:08
